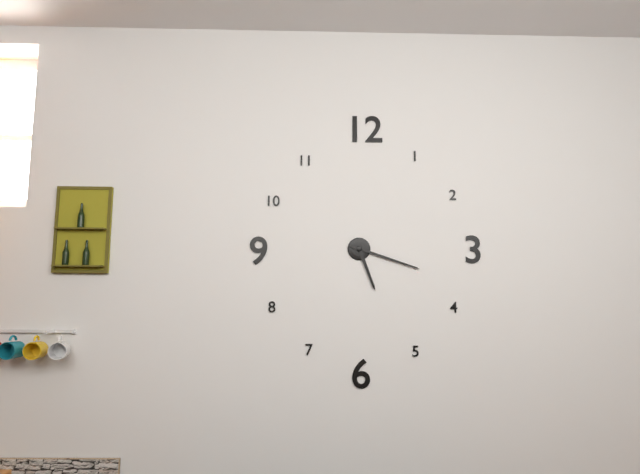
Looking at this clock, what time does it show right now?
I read 5:18
